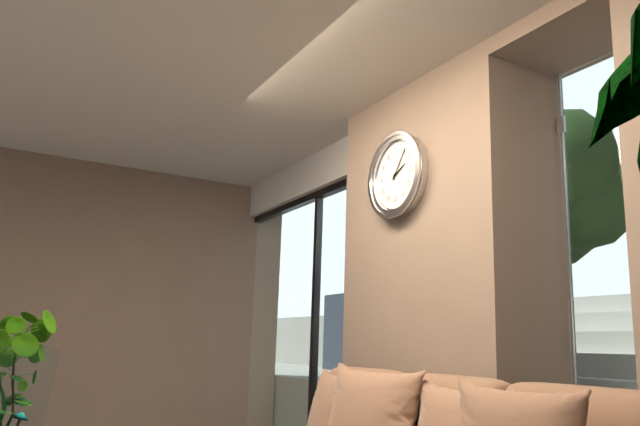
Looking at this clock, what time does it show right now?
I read 2:06
